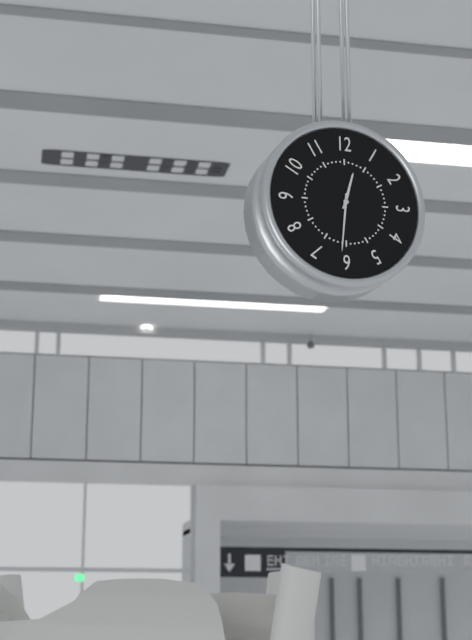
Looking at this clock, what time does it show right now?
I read 12:31
